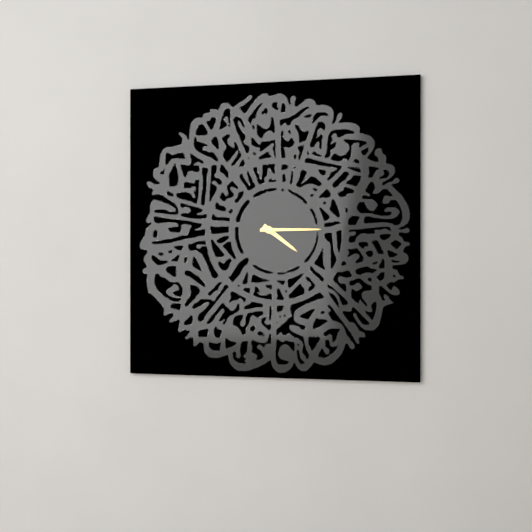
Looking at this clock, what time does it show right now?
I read 4:15
